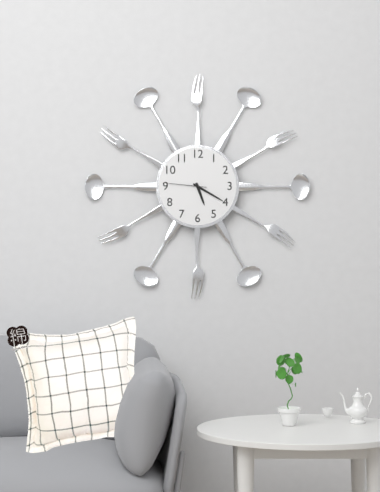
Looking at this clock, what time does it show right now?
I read 5:20
